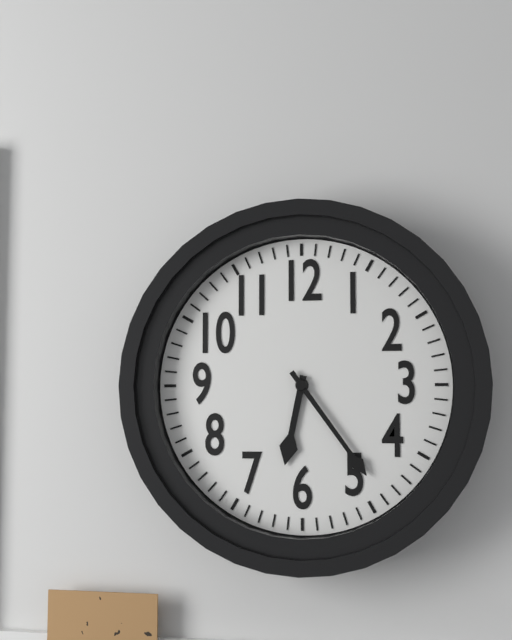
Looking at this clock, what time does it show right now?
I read 6:24
